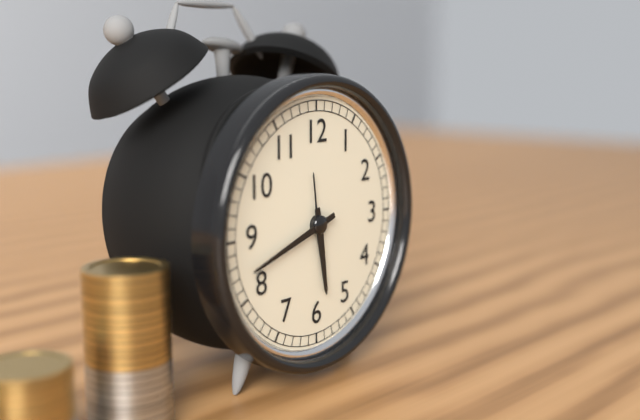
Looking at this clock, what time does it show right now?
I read 5:42
